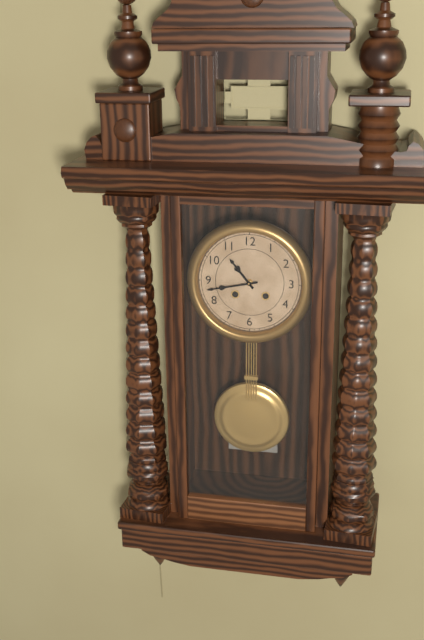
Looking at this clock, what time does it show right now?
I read 10:43
